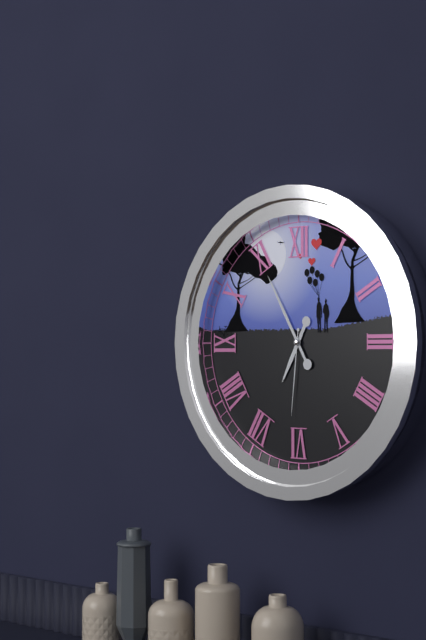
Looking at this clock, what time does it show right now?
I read 6:55:31
